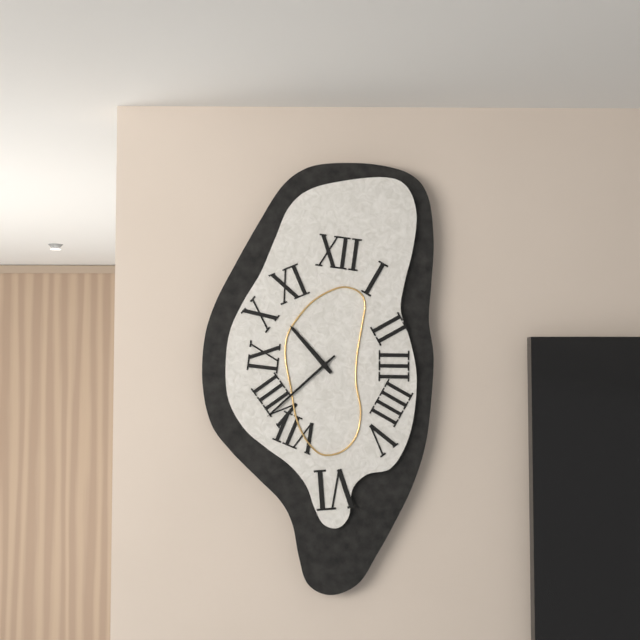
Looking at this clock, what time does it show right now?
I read 10:38
